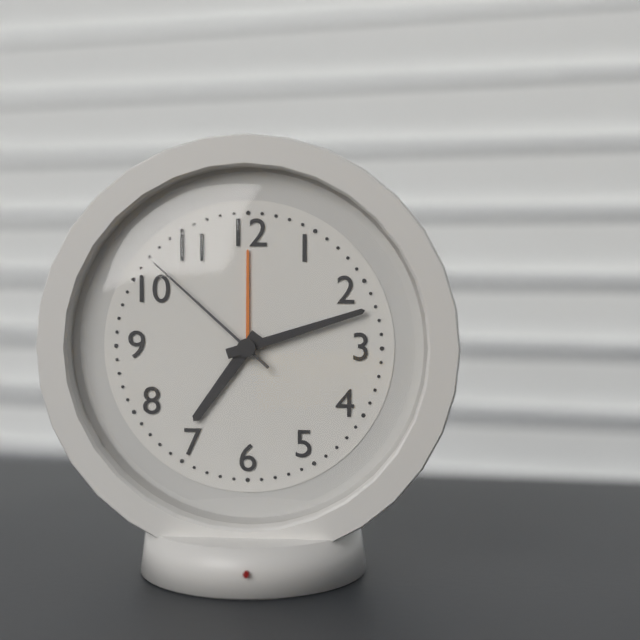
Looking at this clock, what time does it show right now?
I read 7:12:52
